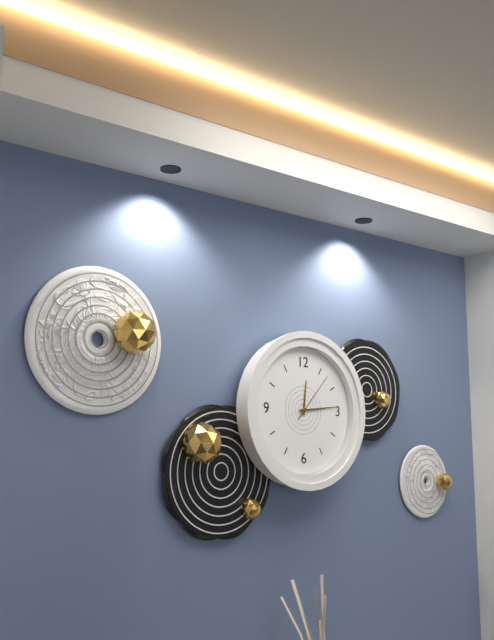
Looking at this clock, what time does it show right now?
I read 12:14:07
